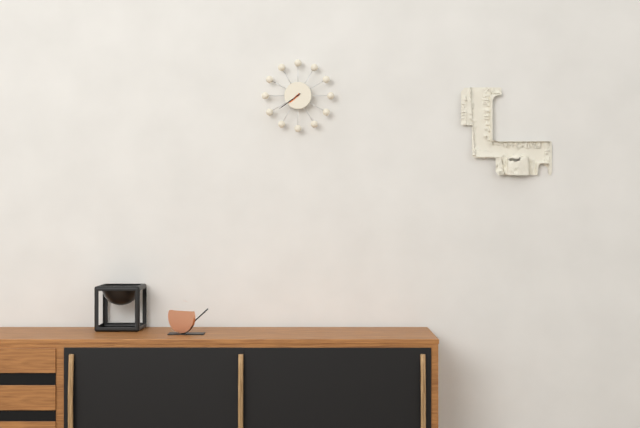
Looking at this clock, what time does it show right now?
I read 7:39
